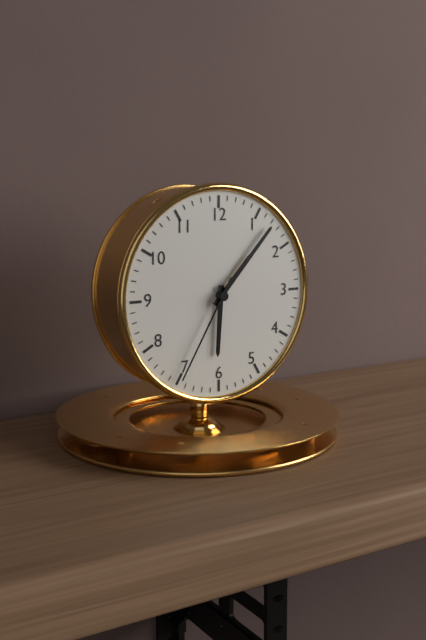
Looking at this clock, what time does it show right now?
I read 6:07:35
